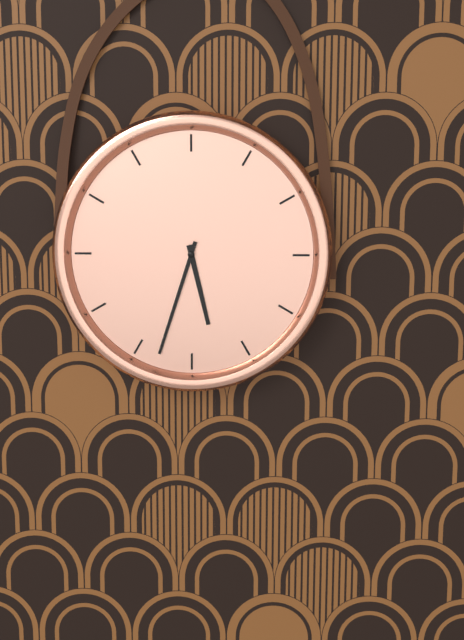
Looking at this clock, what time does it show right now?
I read 5:33
